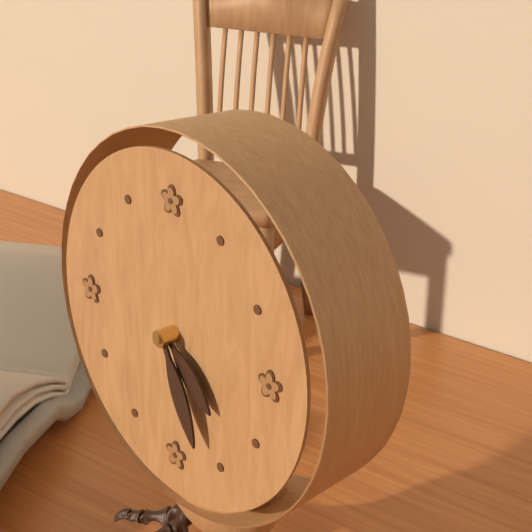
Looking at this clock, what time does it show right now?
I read 4:26
